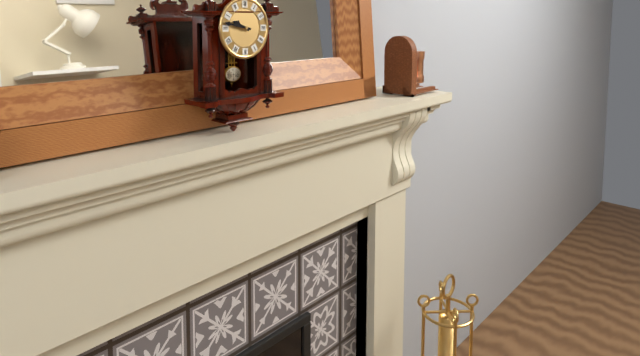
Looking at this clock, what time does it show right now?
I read 9:47
